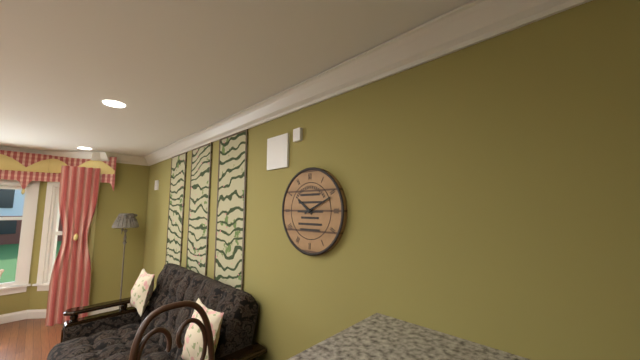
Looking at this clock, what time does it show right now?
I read 10:11
